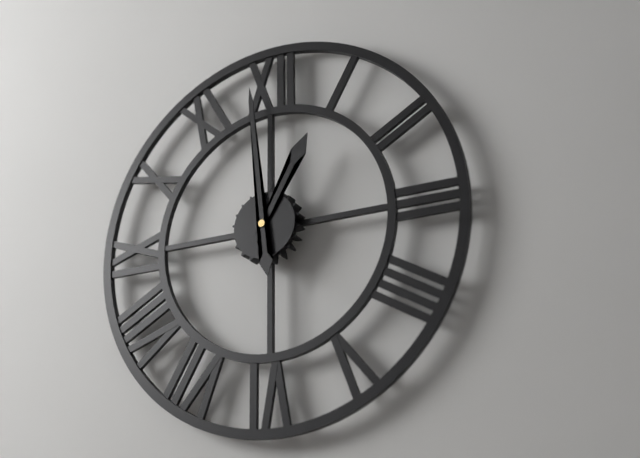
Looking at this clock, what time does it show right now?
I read 12:59
